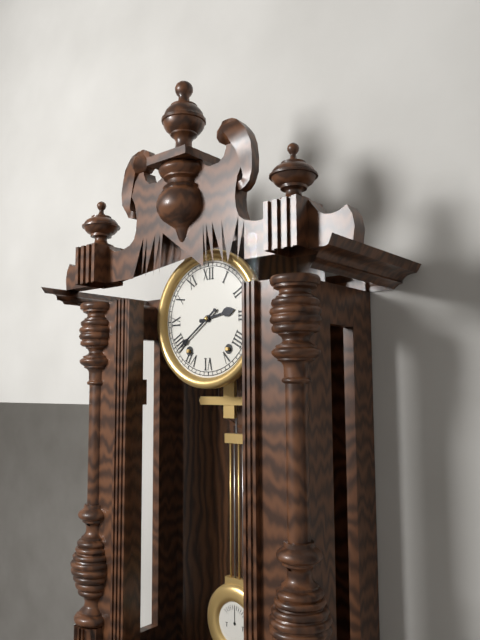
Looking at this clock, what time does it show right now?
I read 2:39
